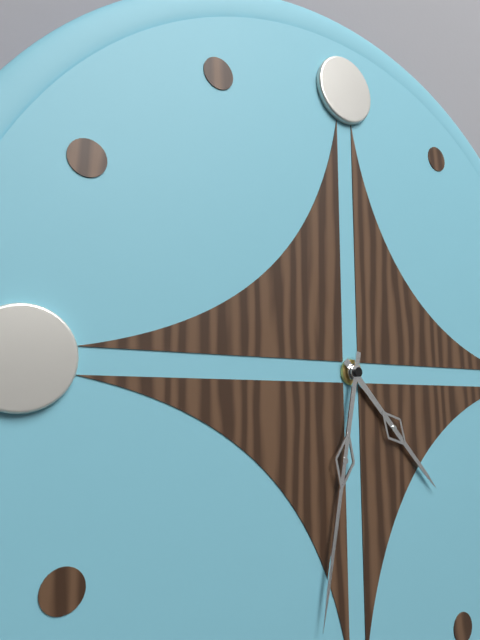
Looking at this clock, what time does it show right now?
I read 4:32
